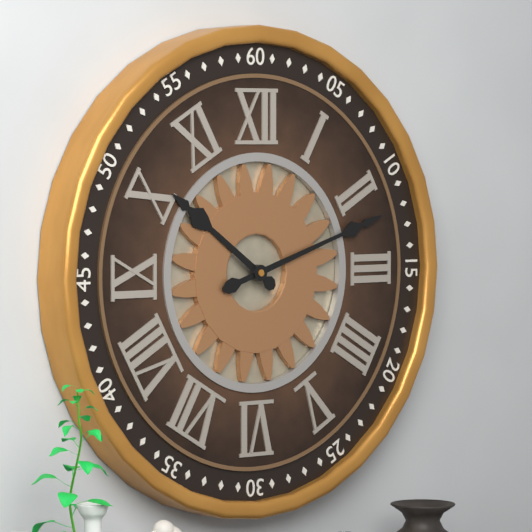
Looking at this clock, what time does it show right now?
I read 10:12
